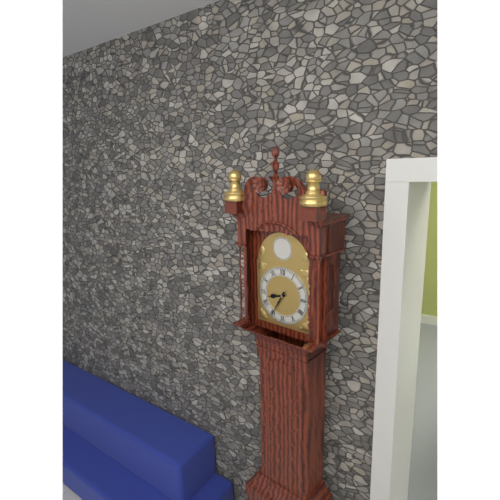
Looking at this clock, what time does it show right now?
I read 8:35
